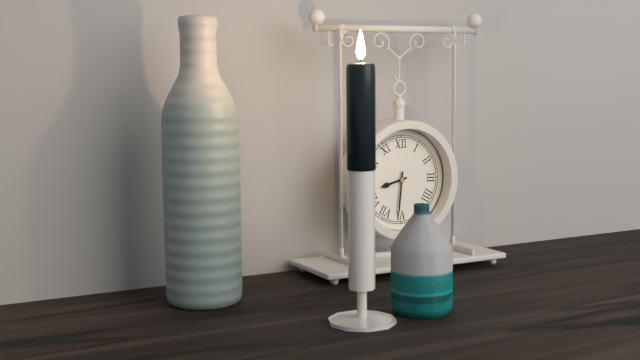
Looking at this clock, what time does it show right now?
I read 8:31
